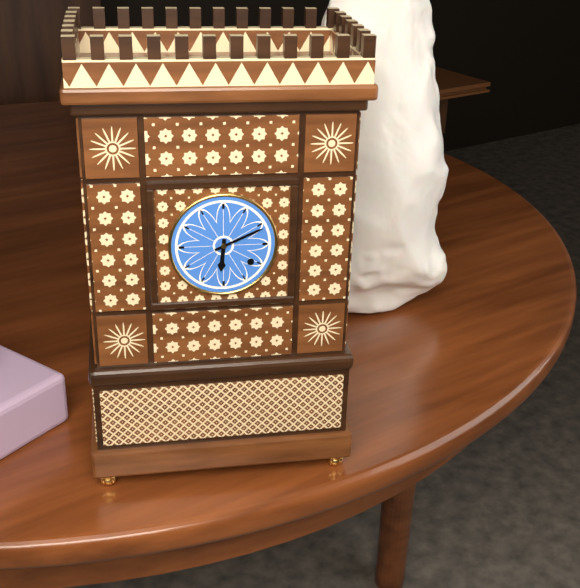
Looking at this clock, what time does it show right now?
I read 6:11
